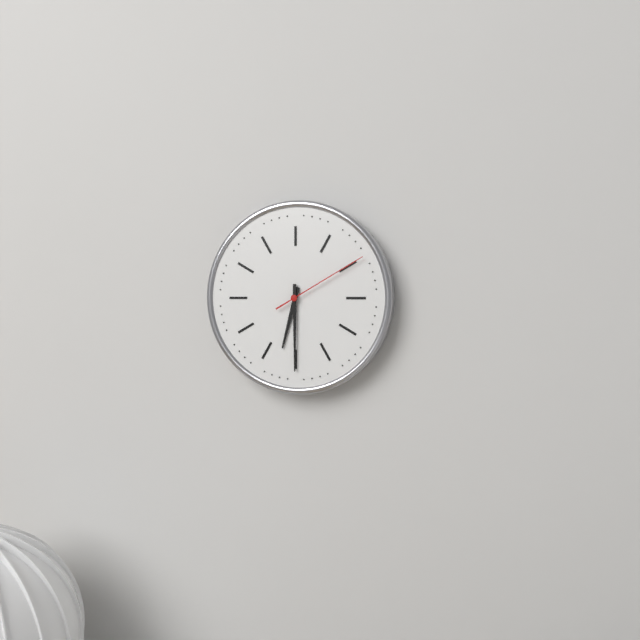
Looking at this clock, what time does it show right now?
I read 6:30:10
